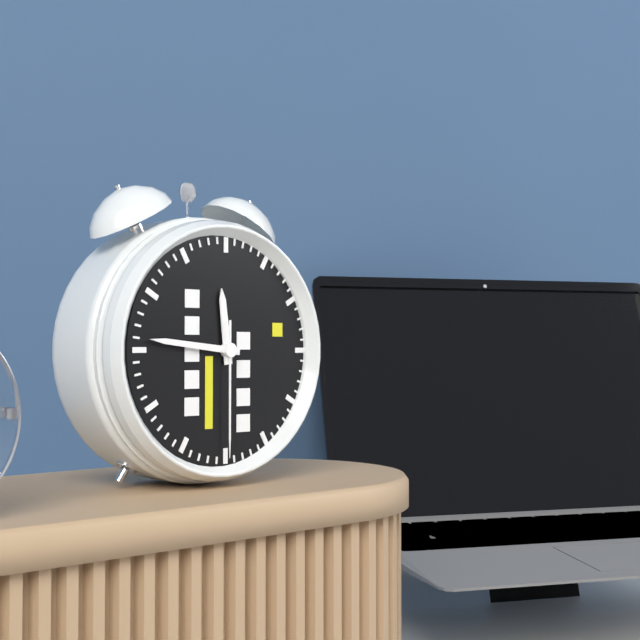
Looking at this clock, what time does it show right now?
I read 11:46:30
